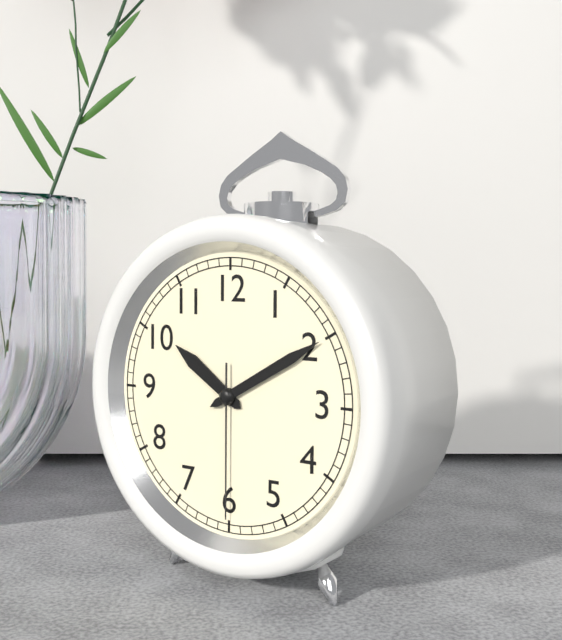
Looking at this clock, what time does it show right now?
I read 10:10:30
